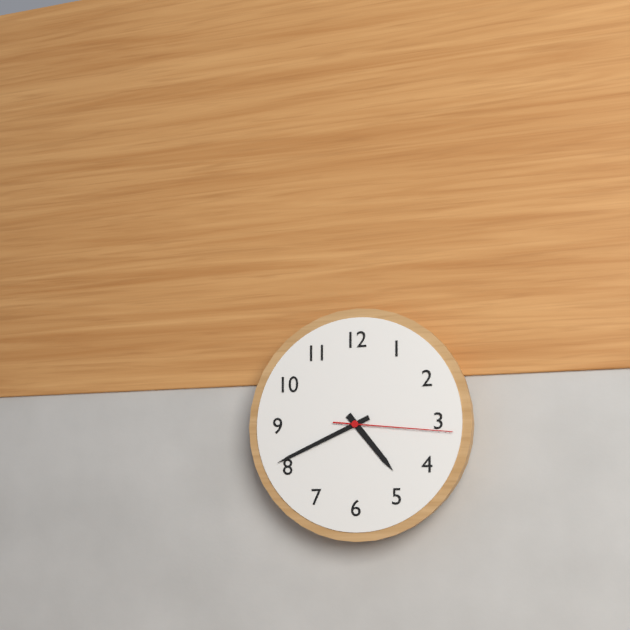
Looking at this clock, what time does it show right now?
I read 4:41:16
